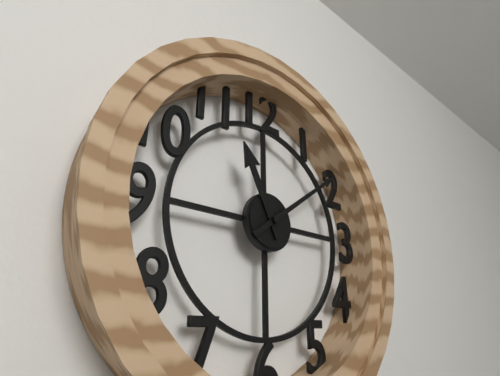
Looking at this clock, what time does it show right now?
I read 11:09
